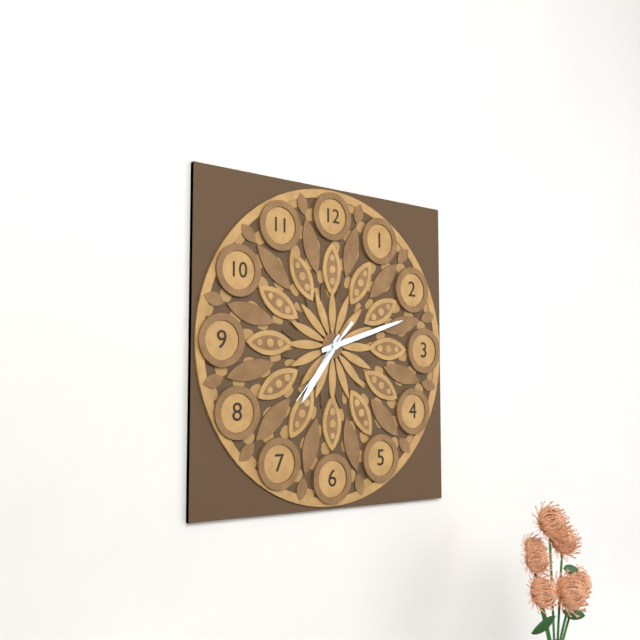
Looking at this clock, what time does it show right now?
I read 7:12:37
